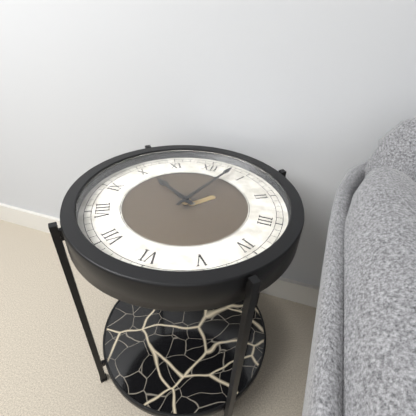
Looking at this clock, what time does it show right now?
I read 10:03
